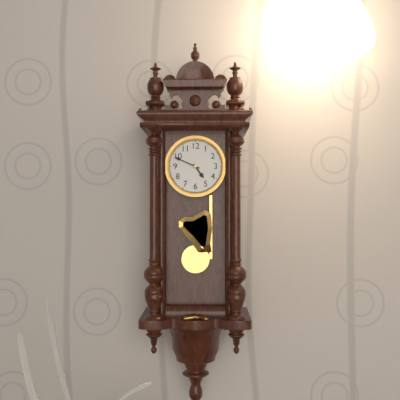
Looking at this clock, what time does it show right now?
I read 4:49
